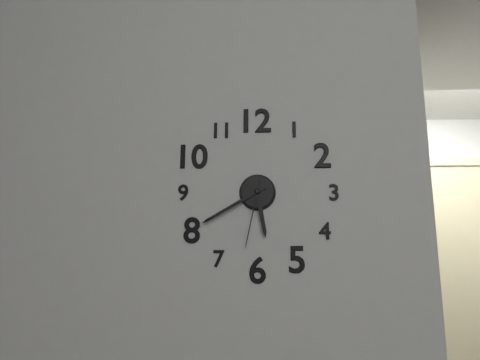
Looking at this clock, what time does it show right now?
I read 5:40:32
